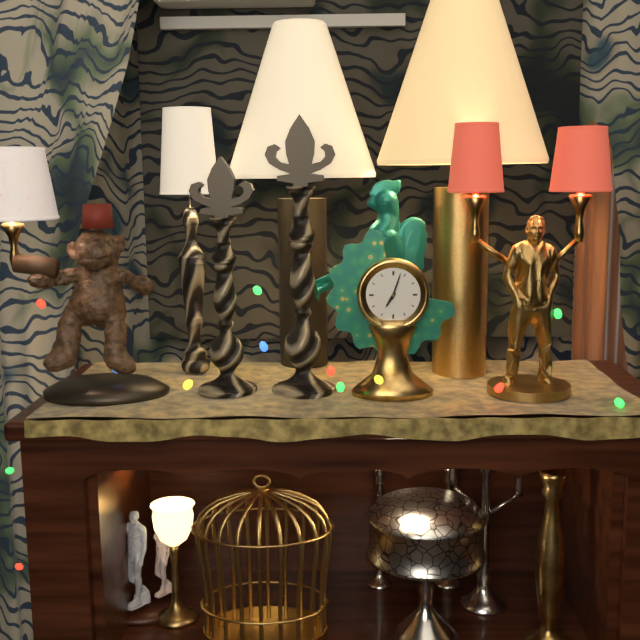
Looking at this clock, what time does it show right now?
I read 7:03
